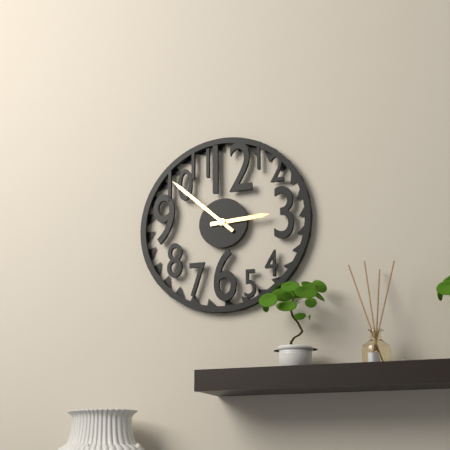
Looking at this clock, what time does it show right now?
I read 2:52
